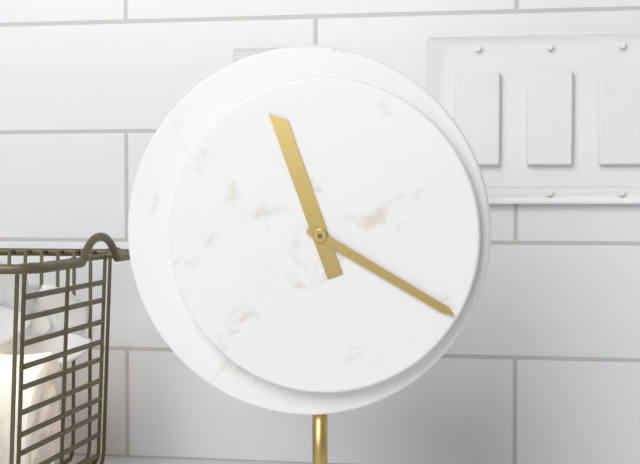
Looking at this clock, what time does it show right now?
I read 11:20
